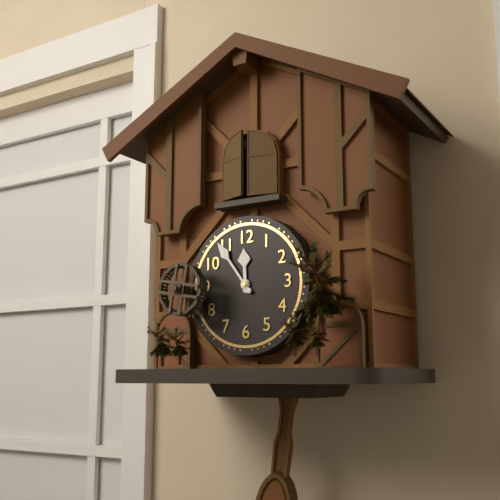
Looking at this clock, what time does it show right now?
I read 11:54
